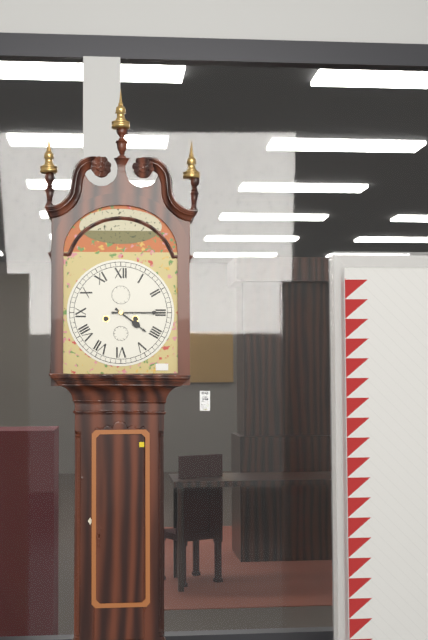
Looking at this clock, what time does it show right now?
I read 4:15
